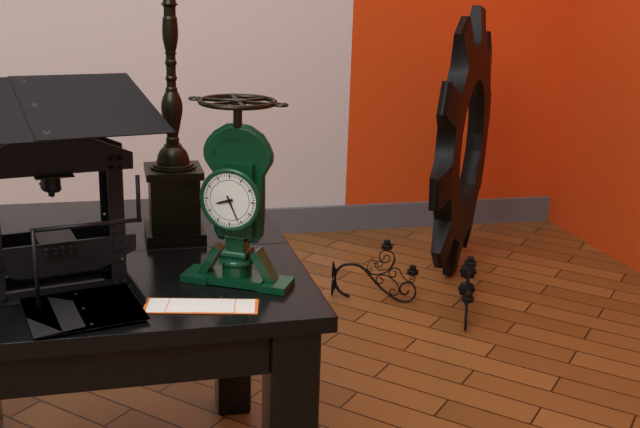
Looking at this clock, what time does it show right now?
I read 8:26
